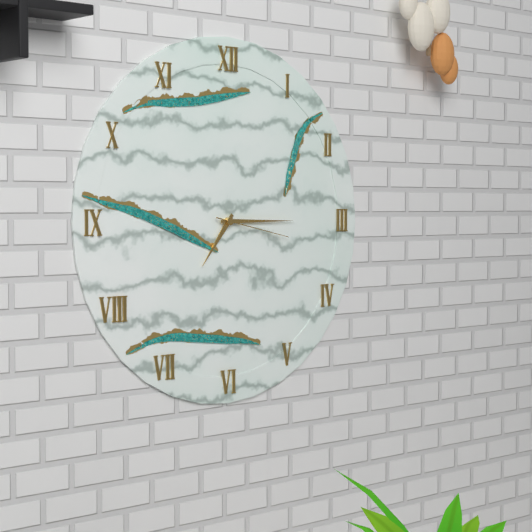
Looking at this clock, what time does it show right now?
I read 7:15:17
